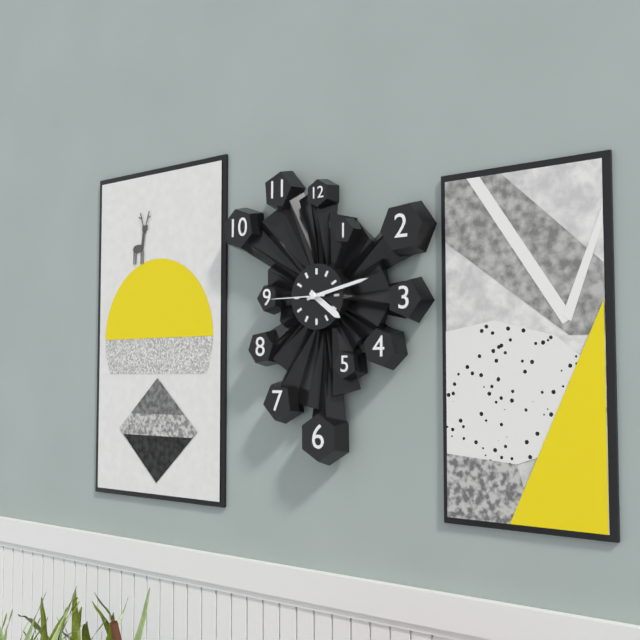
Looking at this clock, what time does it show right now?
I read 4:13:45
